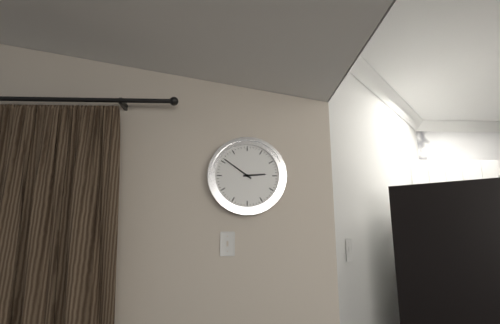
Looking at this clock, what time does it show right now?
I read 2:51
